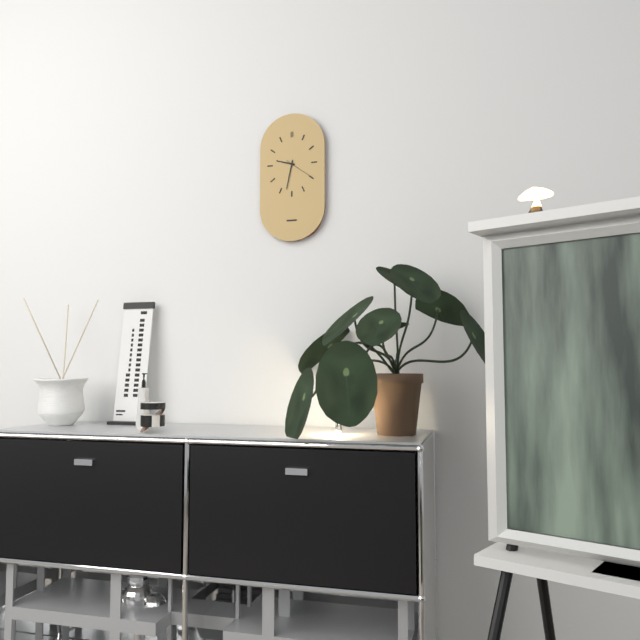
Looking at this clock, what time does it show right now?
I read 9:32
